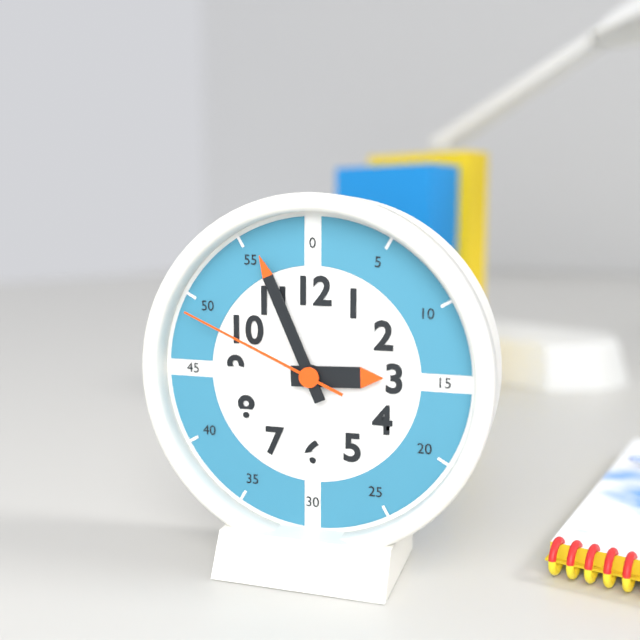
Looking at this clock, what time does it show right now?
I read 2:56:49
